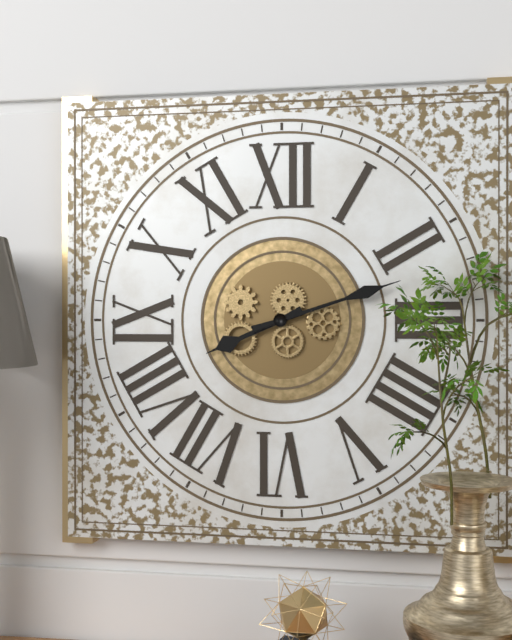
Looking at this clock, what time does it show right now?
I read 8:12
